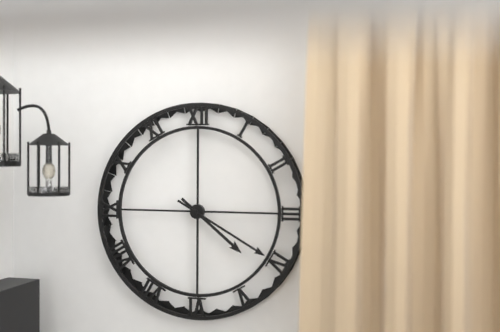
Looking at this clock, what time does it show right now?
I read 4:20
